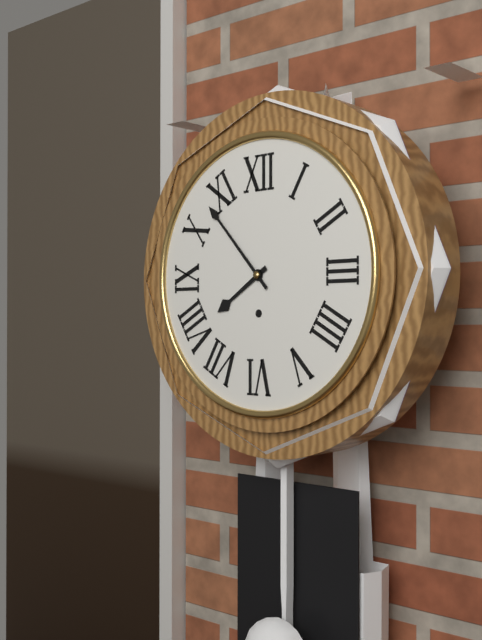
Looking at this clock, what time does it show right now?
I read 7:53
